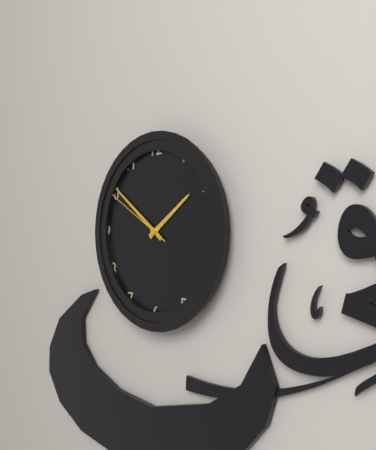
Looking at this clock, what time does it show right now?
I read 1:51:50
